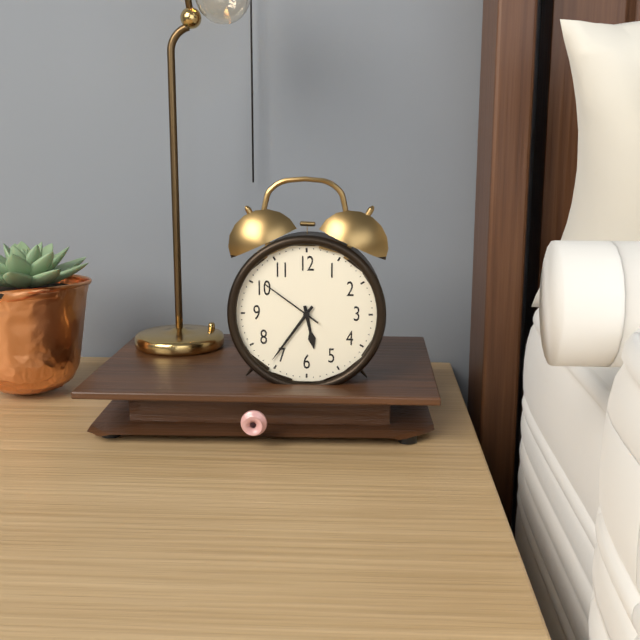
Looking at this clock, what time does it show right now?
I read 5:36:51
